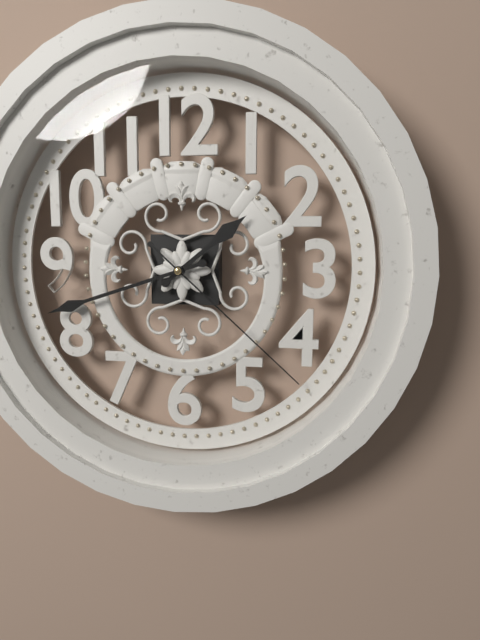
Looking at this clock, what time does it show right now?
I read 1:42:22
